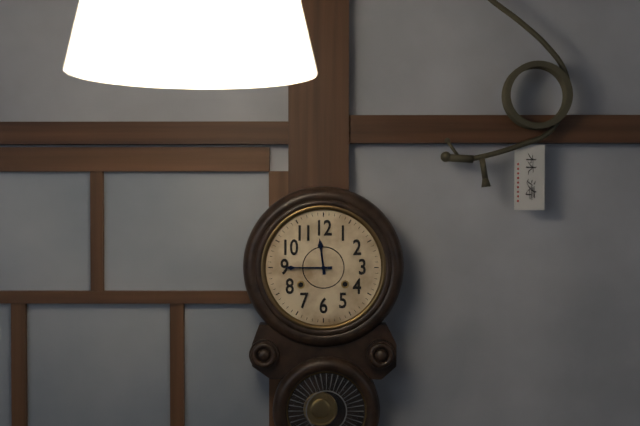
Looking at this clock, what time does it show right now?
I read 11:45
